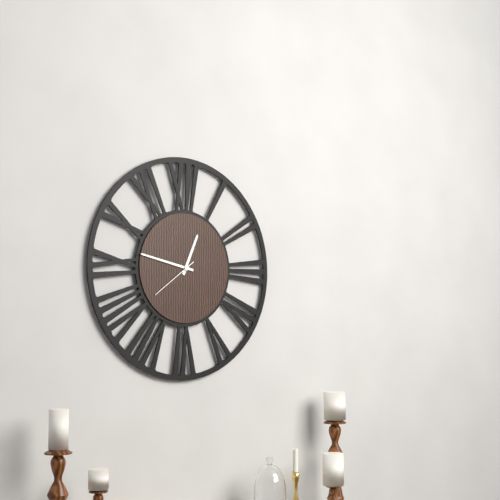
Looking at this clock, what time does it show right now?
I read 12:47:39
